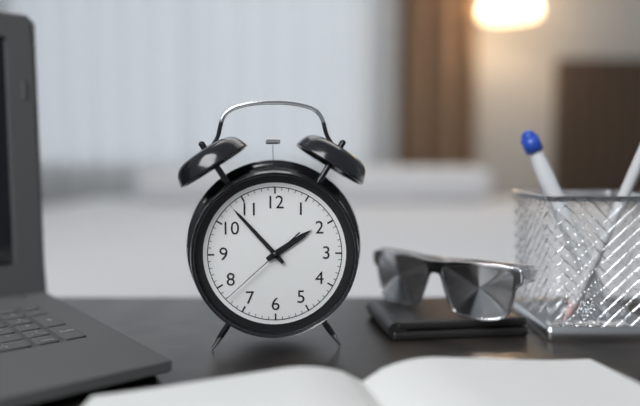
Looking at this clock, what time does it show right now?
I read 1:53:38
